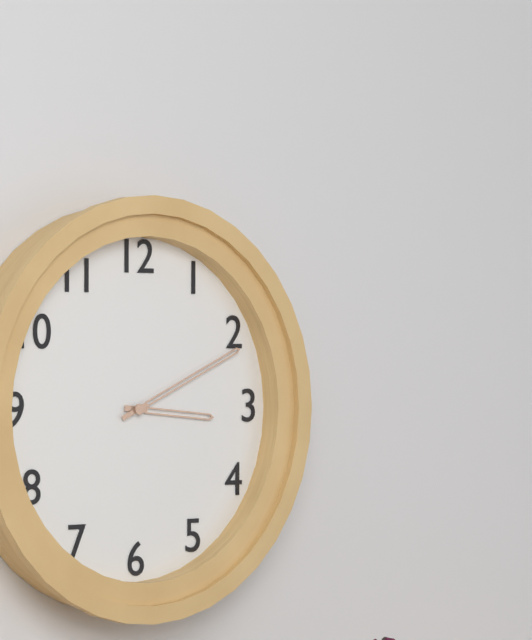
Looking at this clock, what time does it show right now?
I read 3:11
